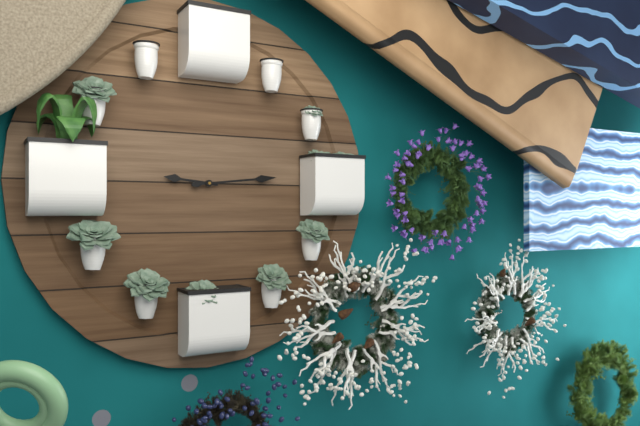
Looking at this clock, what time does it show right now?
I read 9:14
